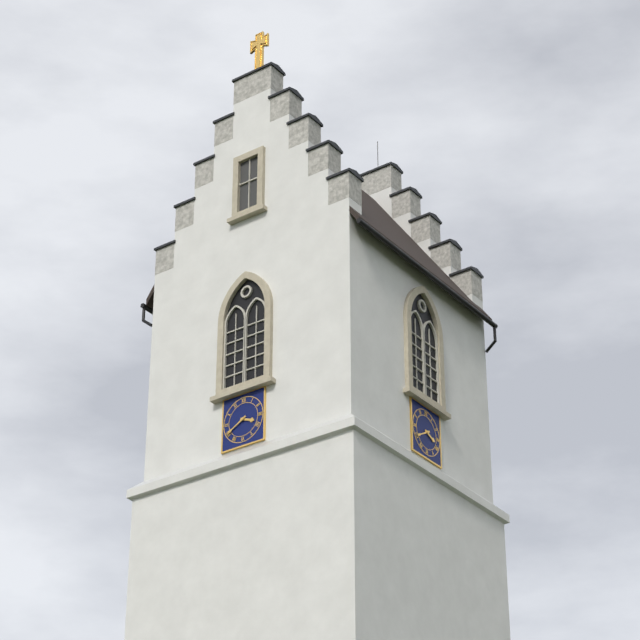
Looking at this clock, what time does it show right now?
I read 3:40
